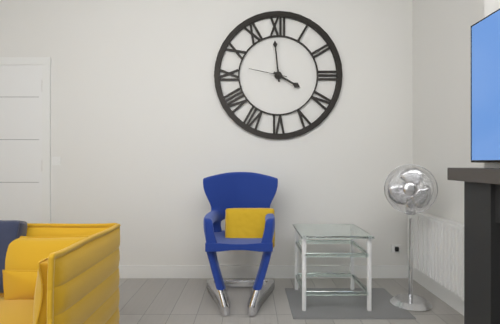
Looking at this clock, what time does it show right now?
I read 3:59
